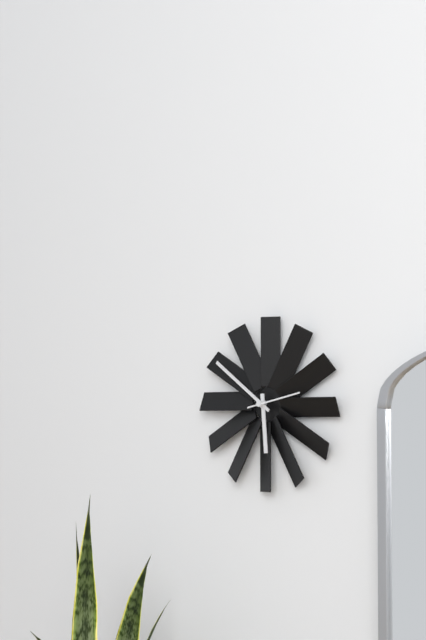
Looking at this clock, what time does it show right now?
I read 5:51:13
